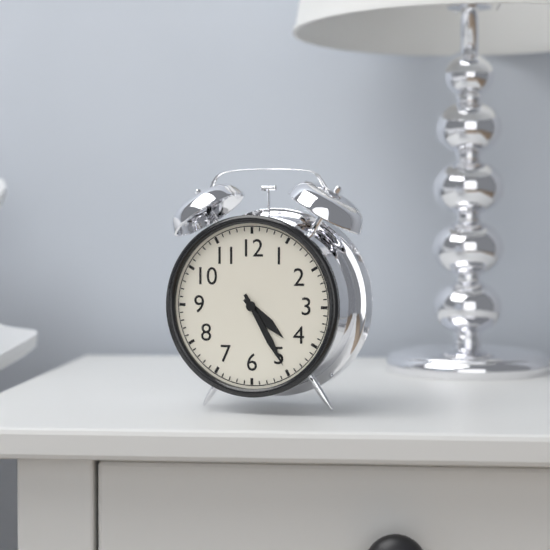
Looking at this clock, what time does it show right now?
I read 4:25
